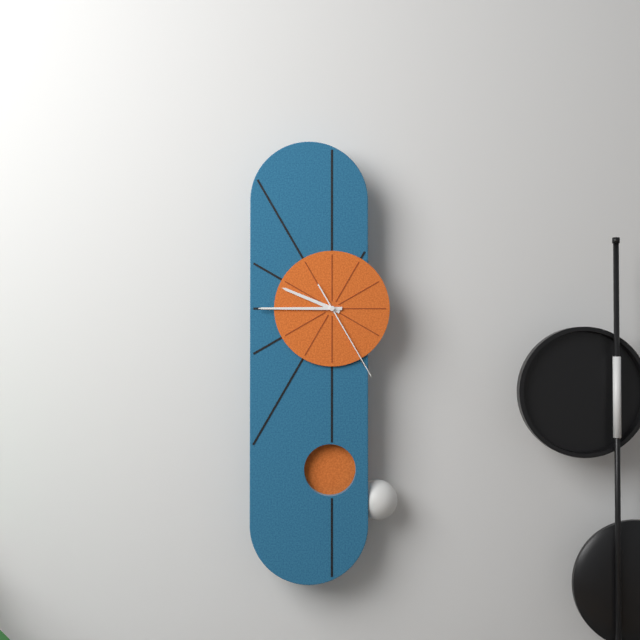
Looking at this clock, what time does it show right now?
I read 9:45:25
